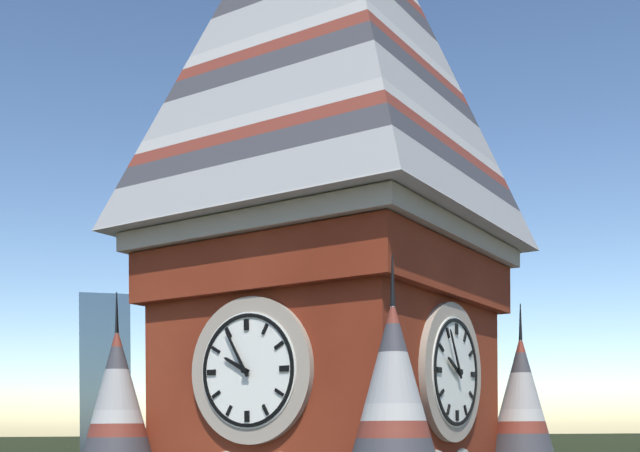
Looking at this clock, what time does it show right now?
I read 9:55
